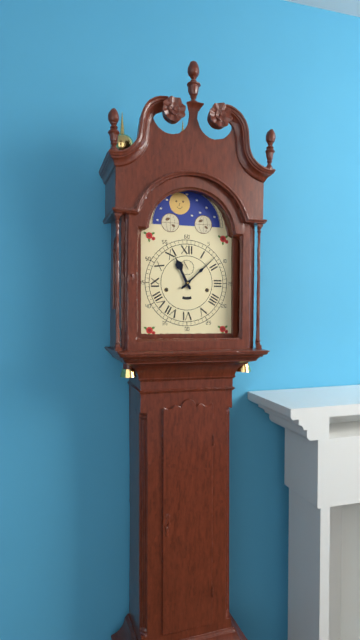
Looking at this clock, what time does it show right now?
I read 11:08
